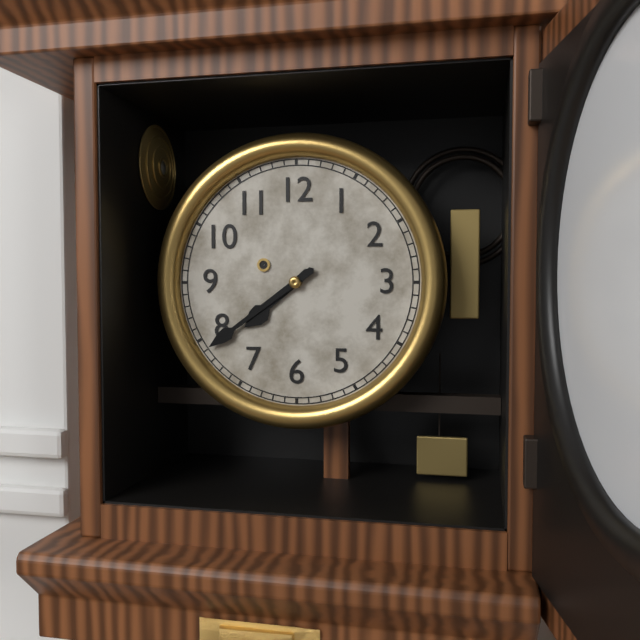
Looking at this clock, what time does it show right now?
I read 7:39
